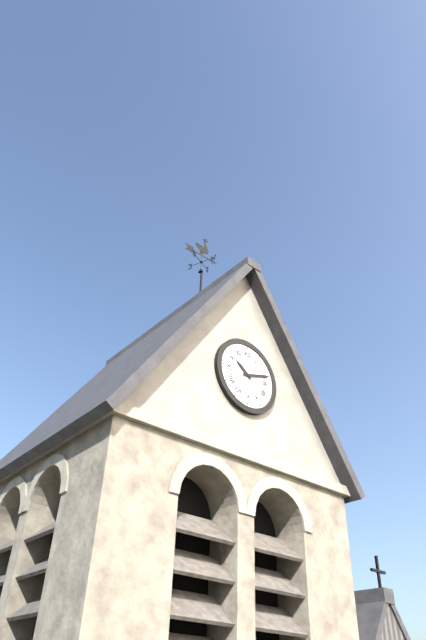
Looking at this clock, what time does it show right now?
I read 10:12
